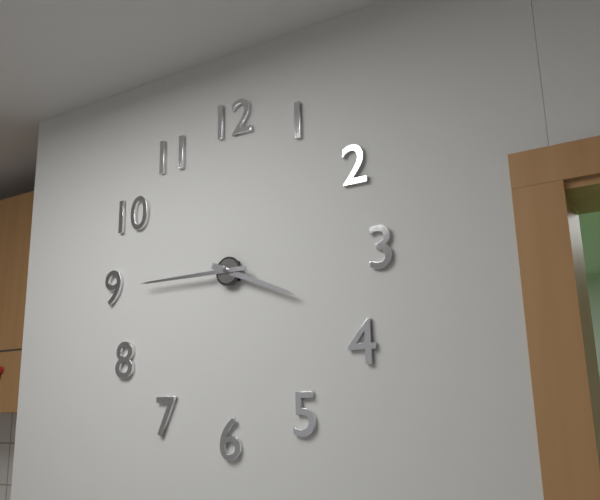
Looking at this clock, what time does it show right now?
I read 3:45
